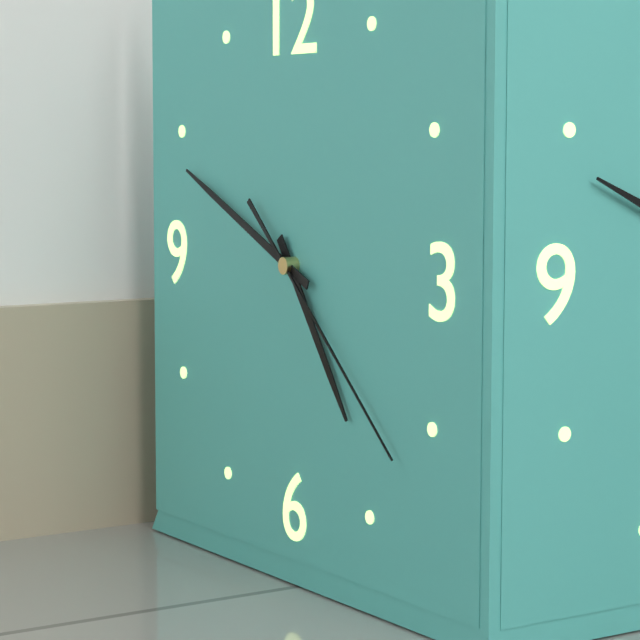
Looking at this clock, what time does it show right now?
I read 4:49:22
